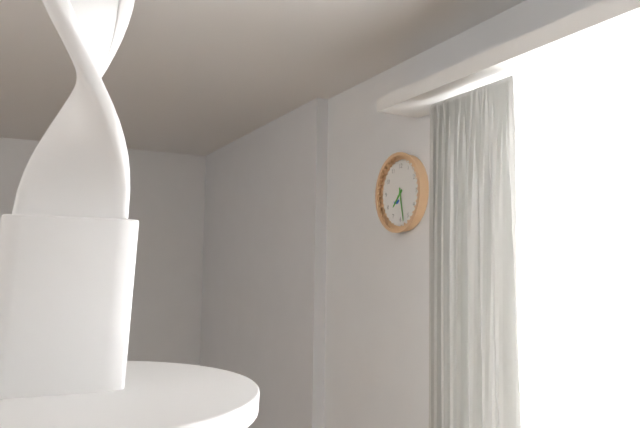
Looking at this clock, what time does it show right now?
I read 7:28
